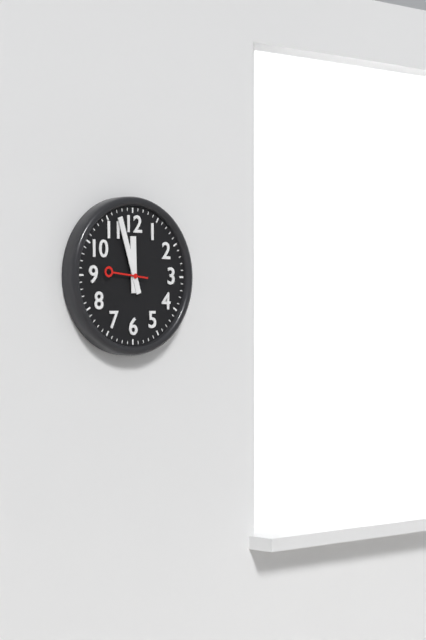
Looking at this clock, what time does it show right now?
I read 11:57
